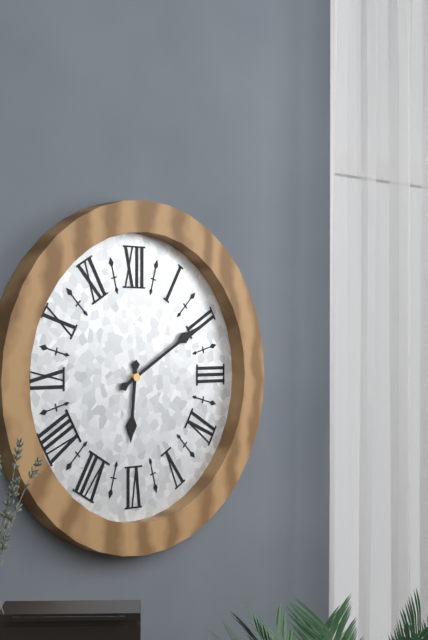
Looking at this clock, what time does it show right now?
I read 6:10
